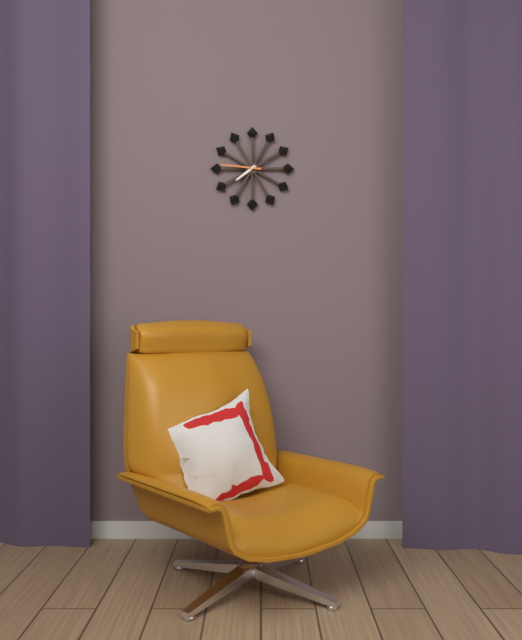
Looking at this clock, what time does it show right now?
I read 7:46
